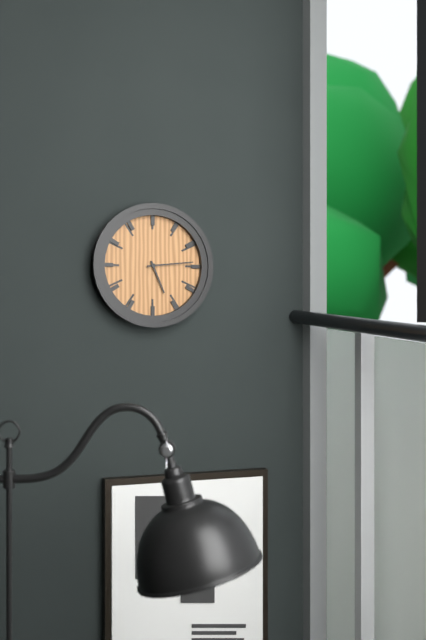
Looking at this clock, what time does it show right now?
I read 5:14
